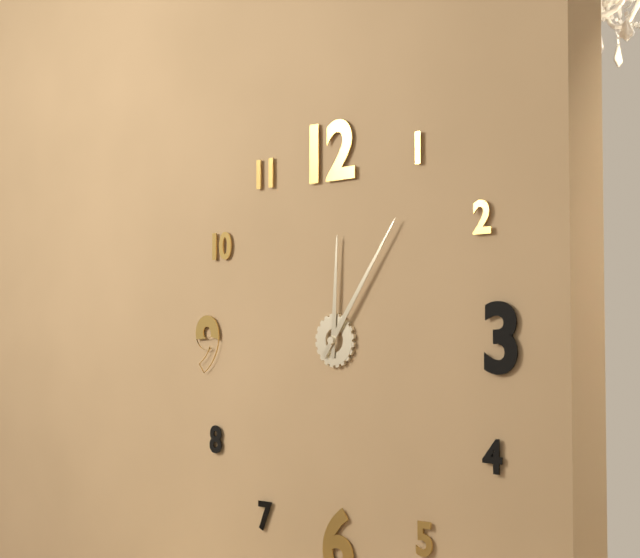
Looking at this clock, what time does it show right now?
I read 12:06
